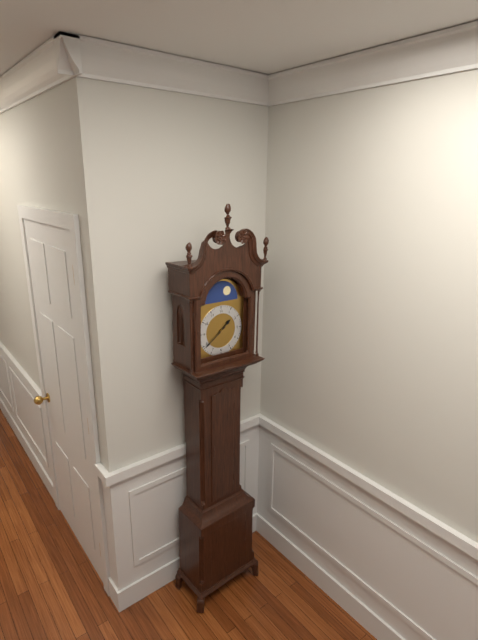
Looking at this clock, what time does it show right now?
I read 1:39
